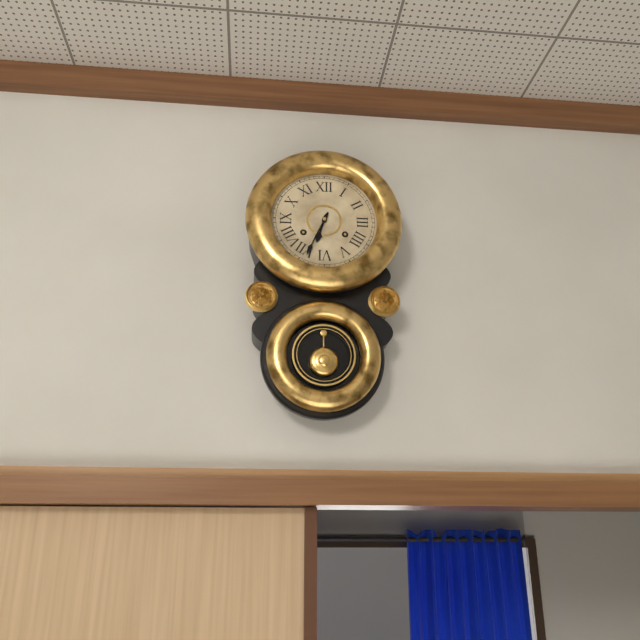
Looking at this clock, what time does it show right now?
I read 6:34
